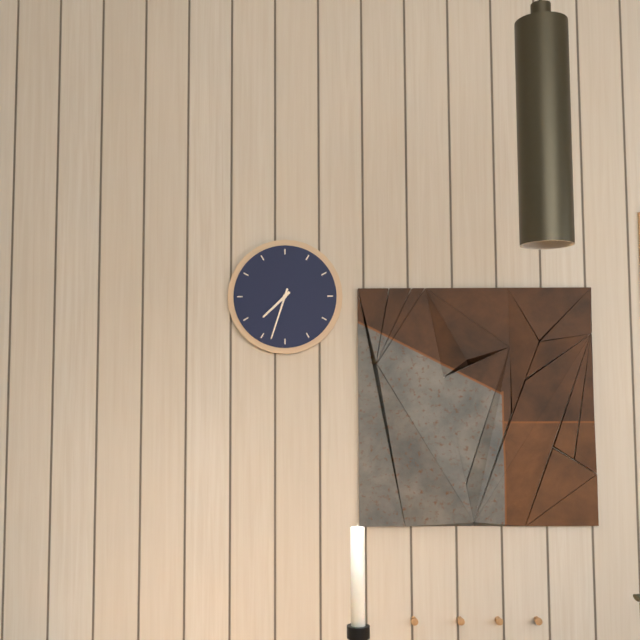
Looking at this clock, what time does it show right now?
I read 7:33
